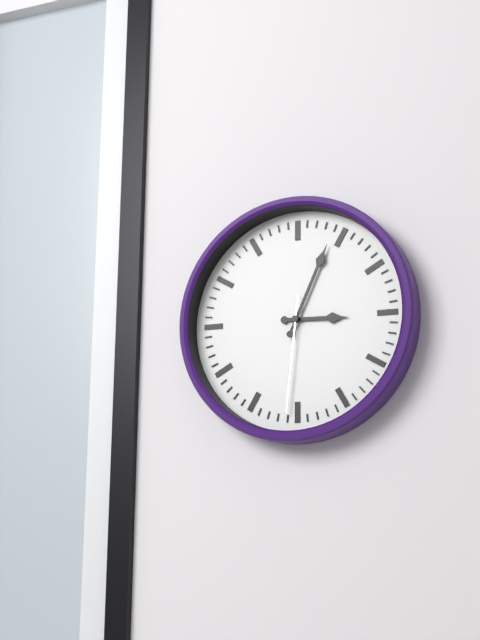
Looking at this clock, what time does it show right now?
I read 3:04:31
